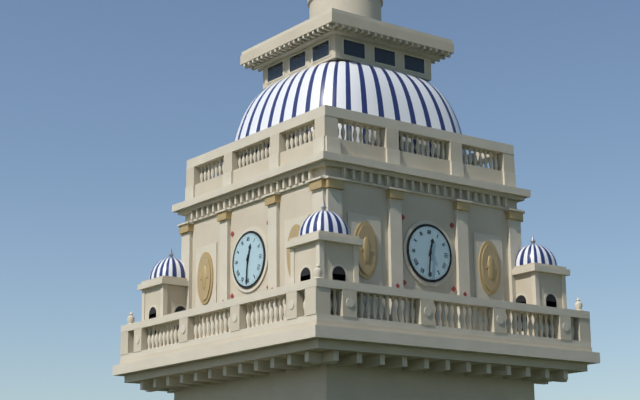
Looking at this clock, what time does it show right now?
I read 12:31
